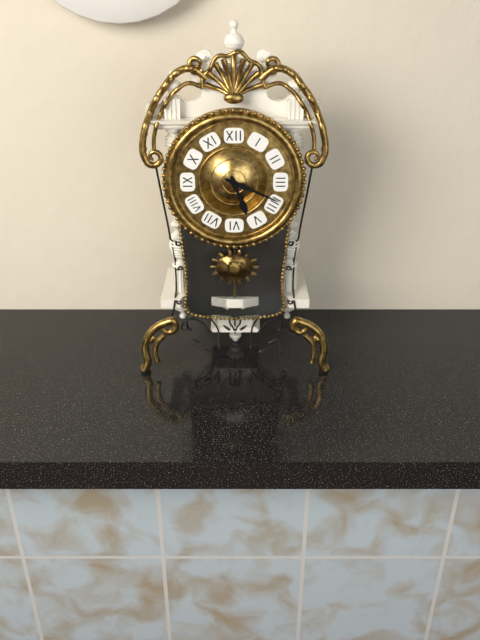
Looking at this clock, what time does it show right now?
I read 5:19
